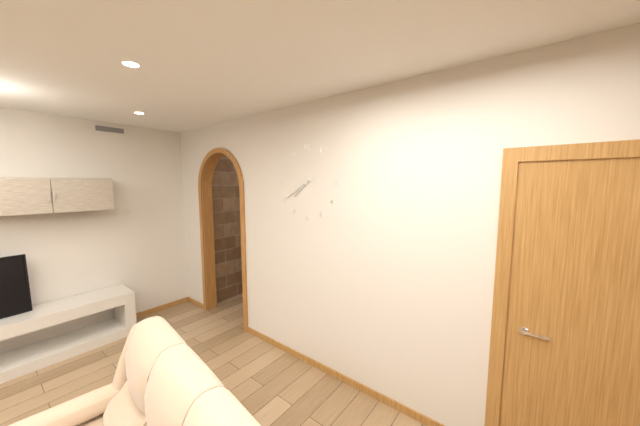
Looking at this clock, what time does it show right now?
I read 7:40
